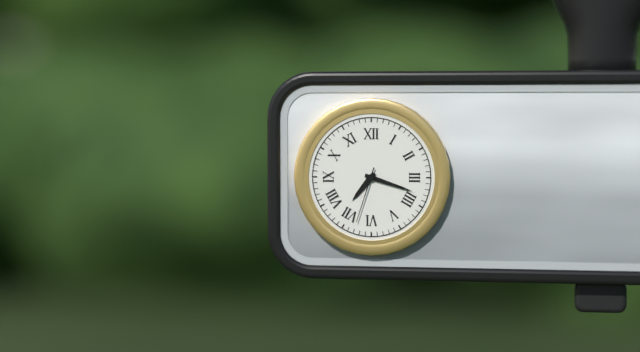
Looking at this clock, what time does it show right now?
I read 7:18:33
